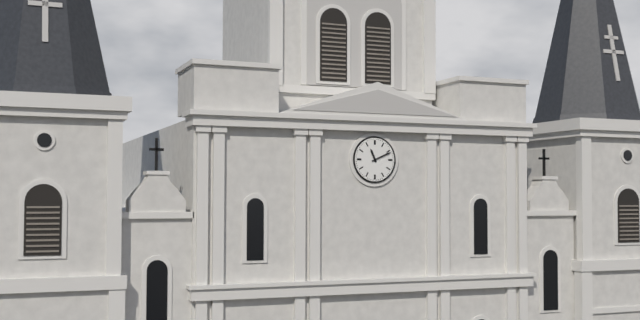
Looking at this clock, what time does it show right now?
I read 11:11
